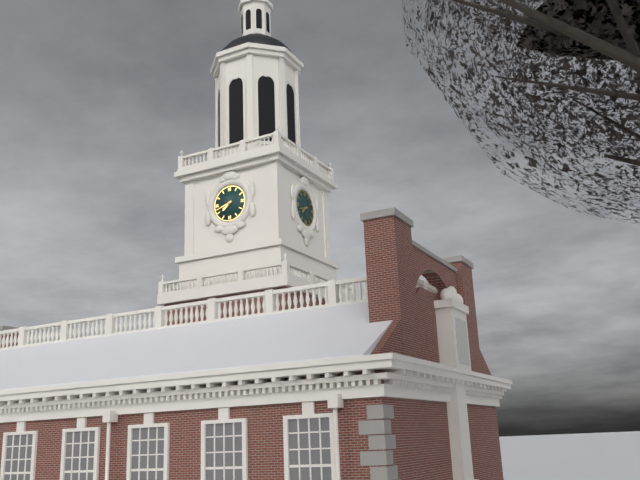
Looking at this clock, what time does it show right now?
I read 7:42
